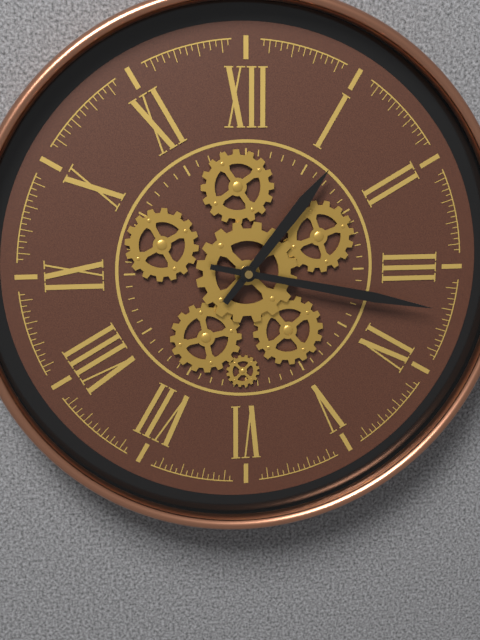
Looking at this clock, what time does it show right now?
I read 1:17
